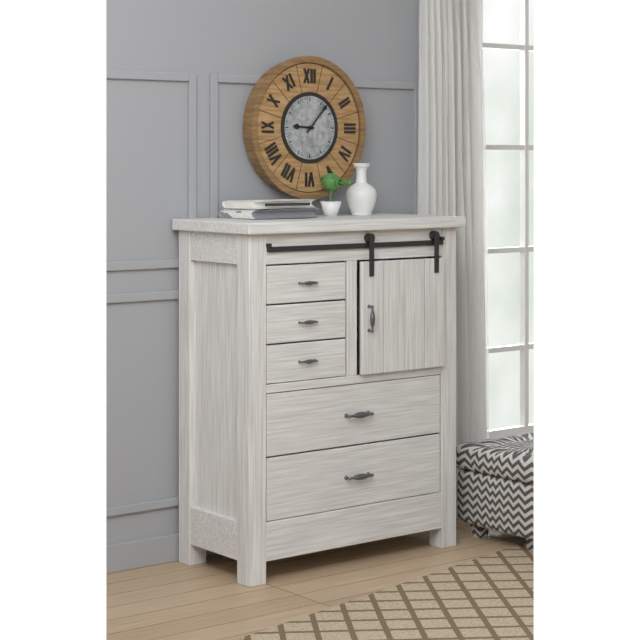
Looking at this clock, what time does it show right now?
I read 9:07
